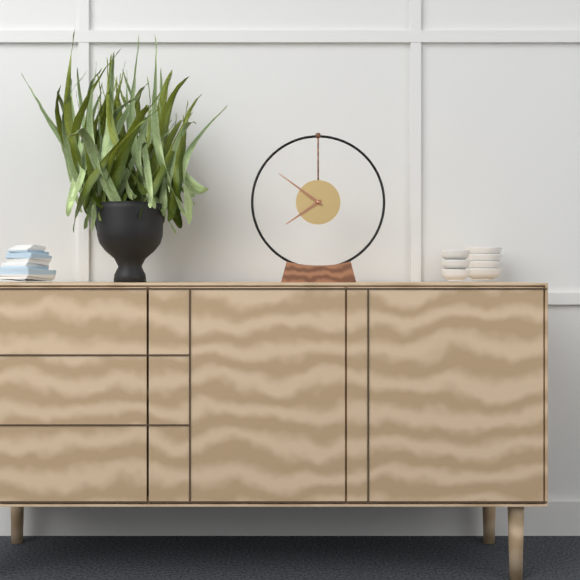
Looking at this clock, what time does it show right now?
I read 7:51
